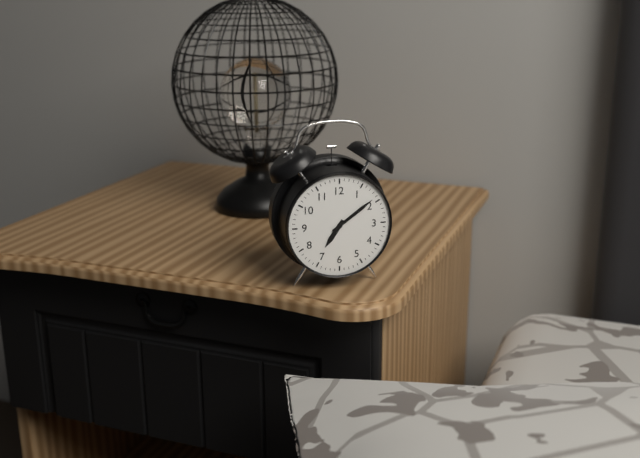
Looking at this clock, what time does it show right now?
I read 7:09
